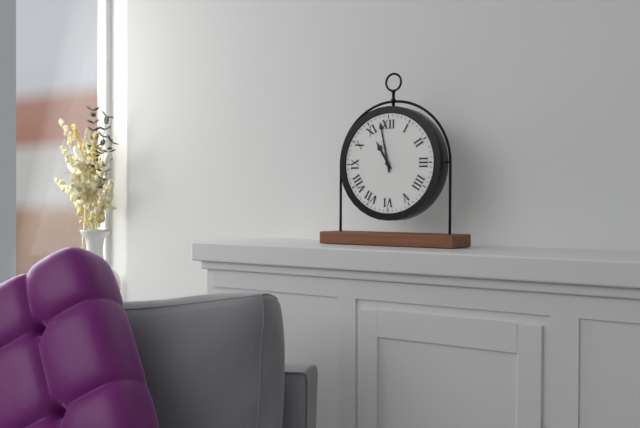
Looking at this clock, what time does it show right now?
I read 10:58
